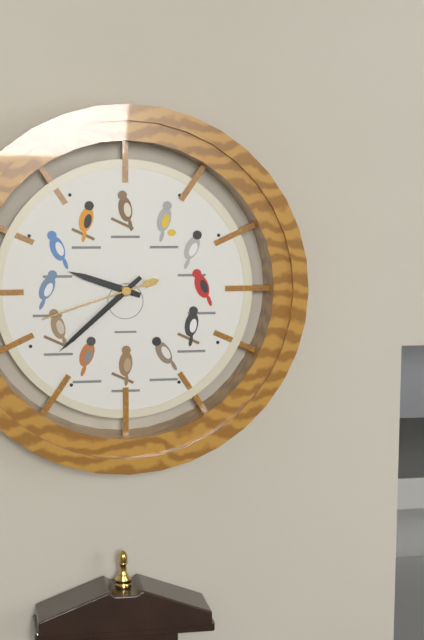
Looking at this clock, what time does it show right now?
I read 9:38:42
